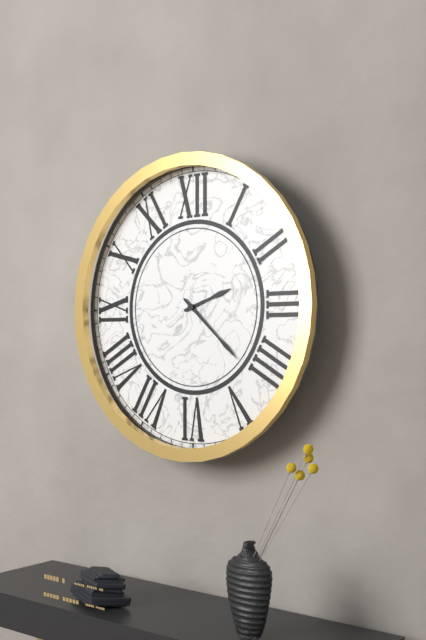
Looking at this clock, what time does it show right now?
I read 2:22
